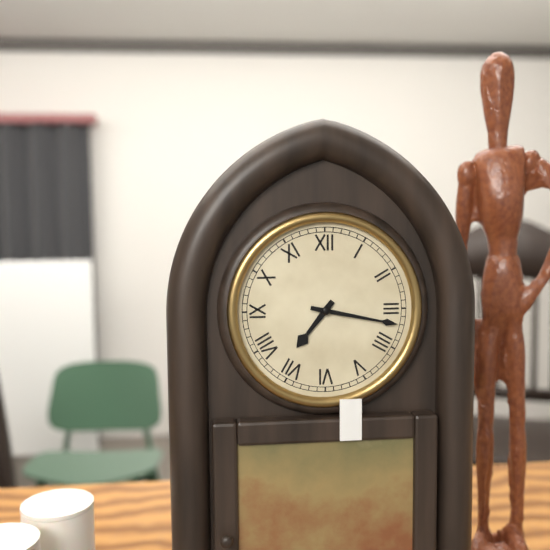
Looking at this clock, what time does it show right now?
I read 7:17
